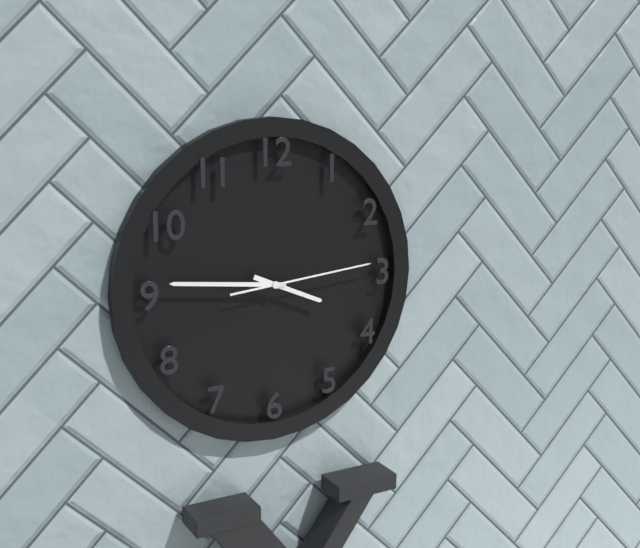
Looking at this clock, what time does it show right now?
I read 3:46:14
